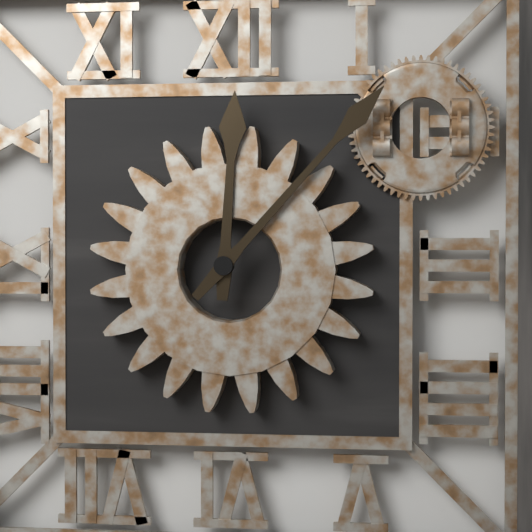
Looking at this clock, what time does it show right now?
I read 12:07
